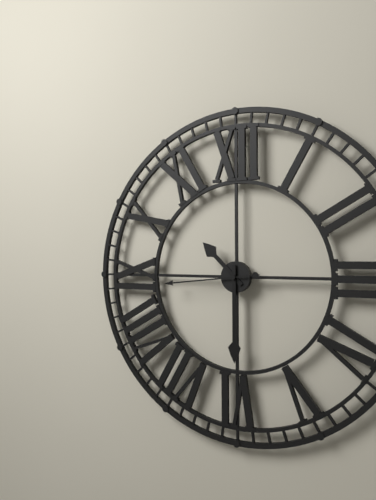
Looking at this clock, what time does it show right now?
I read 10:30:44
